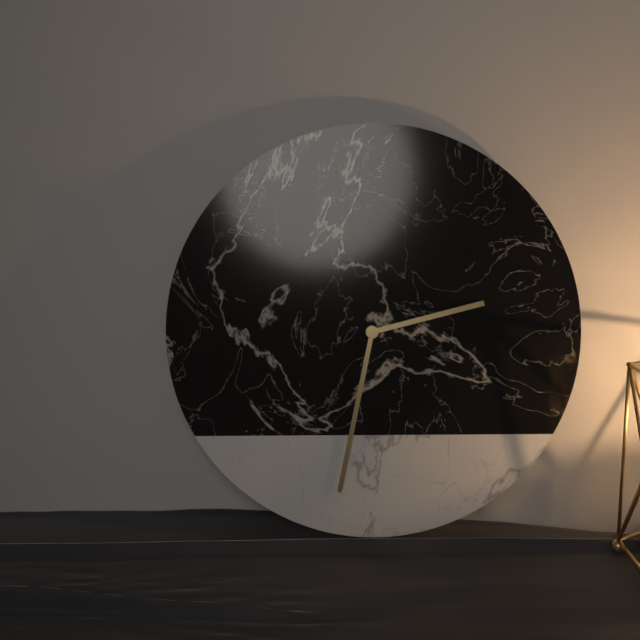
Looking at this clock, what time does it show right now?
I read 2:32
